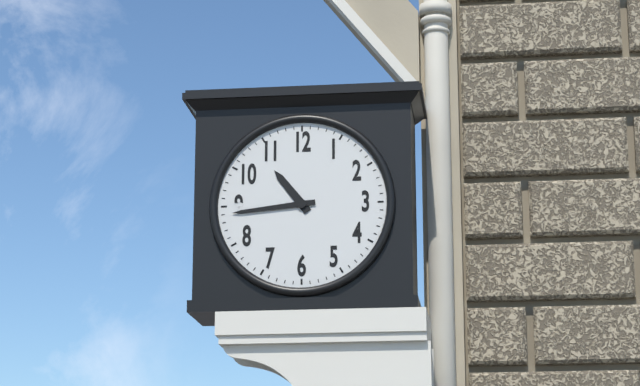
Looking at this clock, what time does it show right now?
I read 10:44
